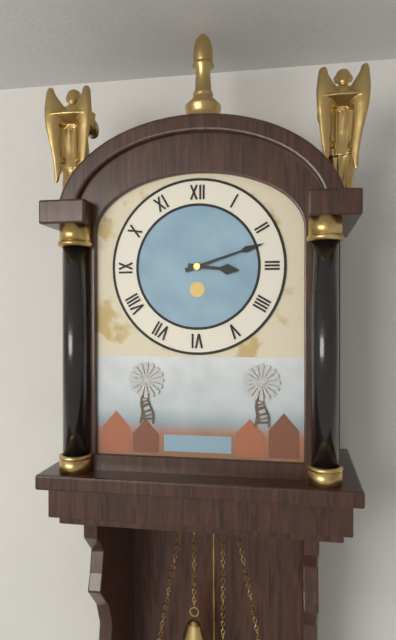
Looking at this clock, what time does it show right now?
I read 3:12
